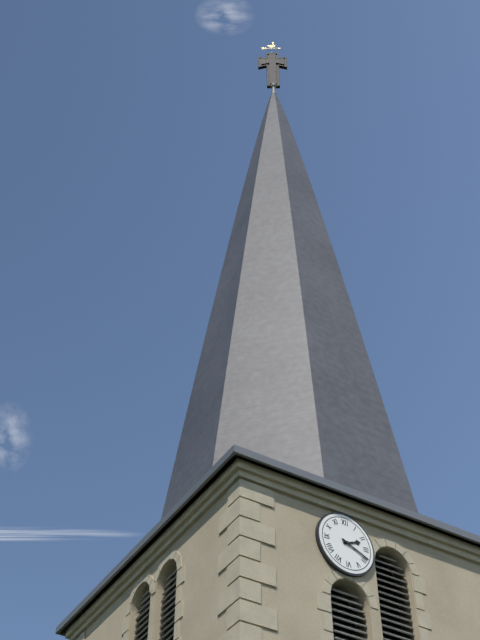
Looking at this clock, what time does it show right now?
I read 2:19
